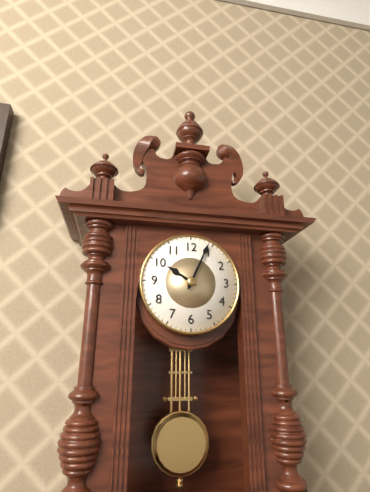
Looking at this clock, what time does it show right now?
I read 10:04
